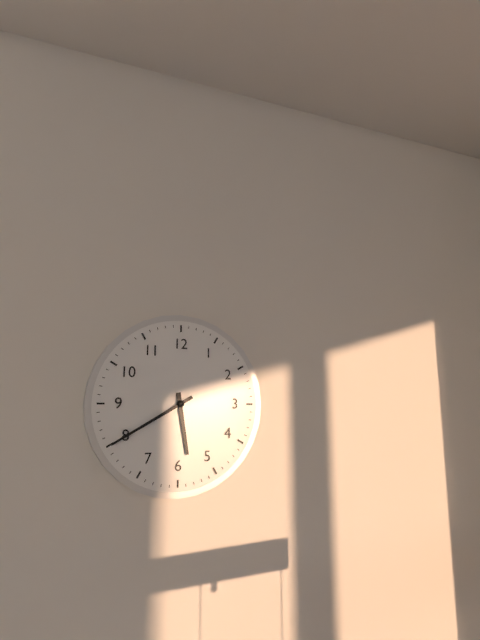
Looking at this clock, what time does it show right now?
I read 5:40
